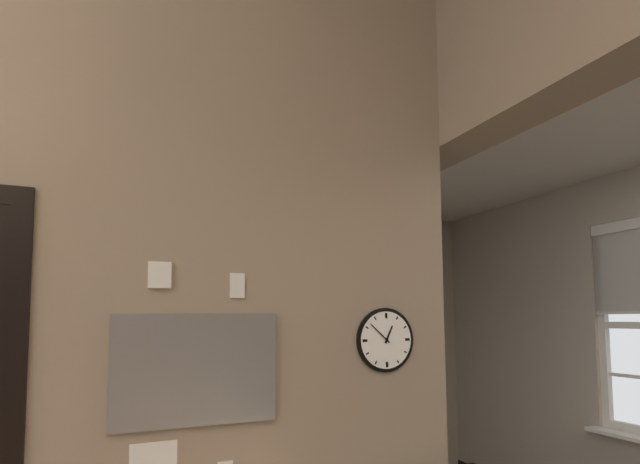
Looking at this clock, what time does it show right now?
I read 12:52
